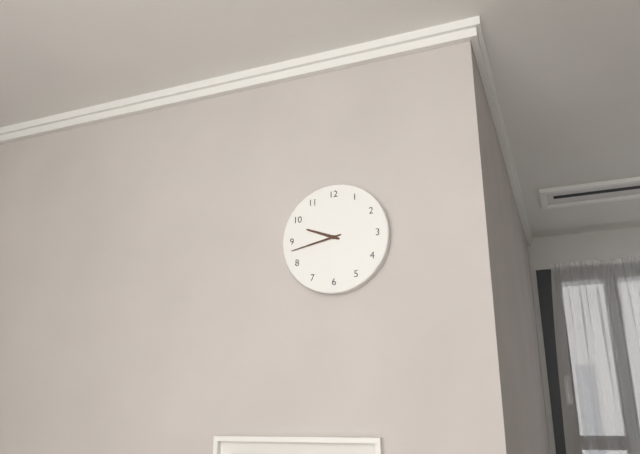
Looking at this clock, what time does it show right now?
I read 9:43
